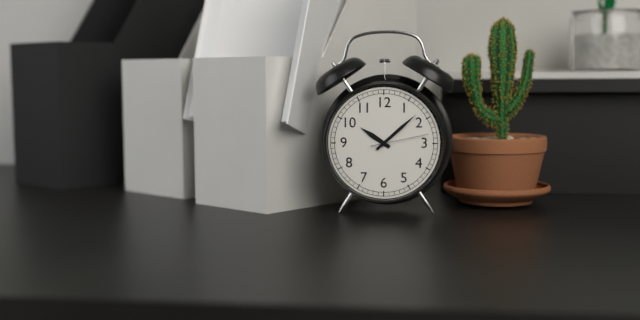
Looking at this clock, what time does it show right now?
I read 10:08:13
